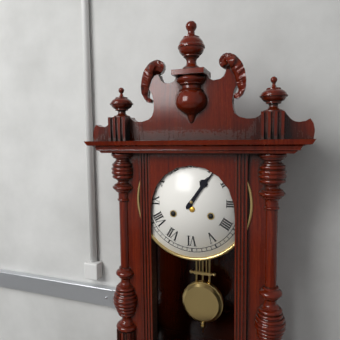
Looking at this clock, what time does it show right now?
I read 1:06
